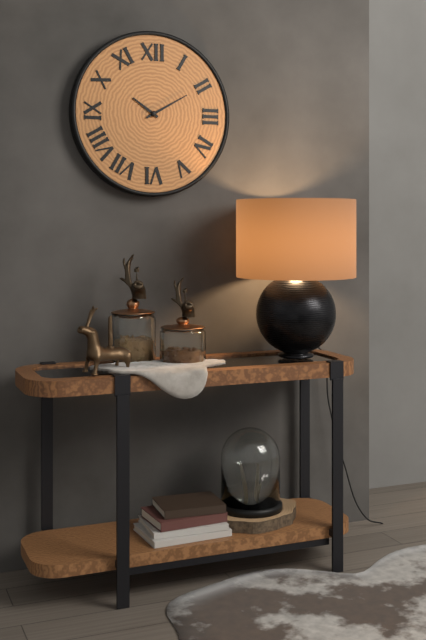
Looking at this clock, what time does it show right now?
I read 10:10
